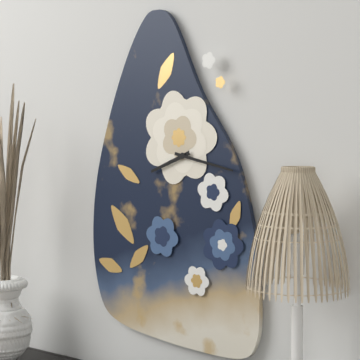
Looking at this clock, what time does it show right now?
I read 8:17
